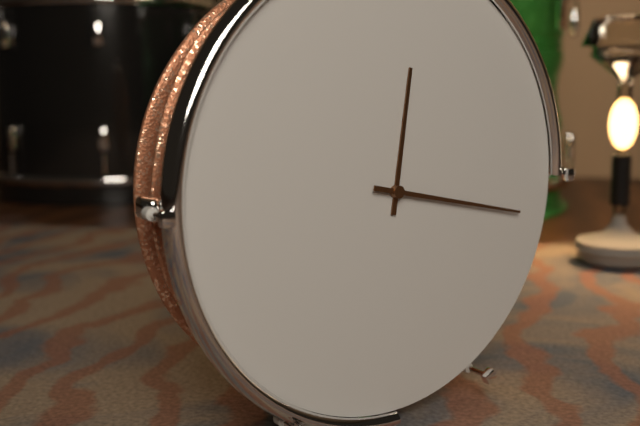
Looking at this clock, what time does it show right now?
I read 12:17
